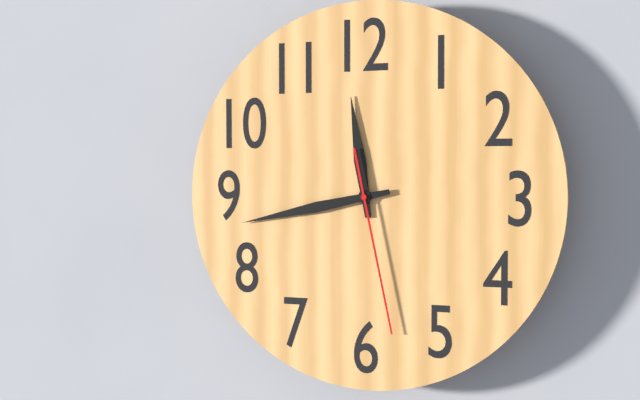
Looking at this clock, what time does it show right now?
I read 11:43:28
